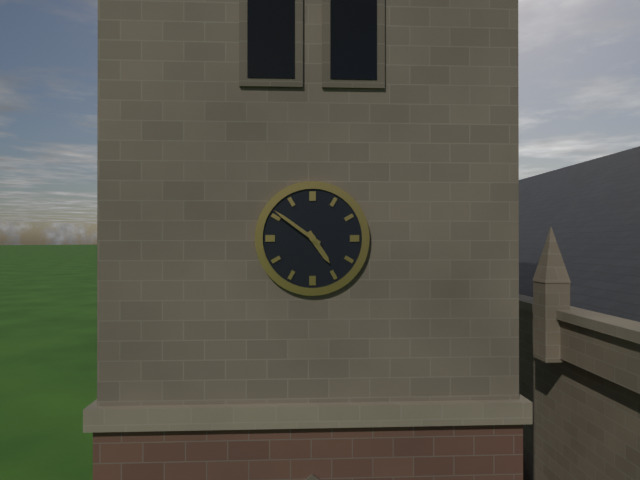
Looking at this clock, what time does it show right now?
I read 4:51
